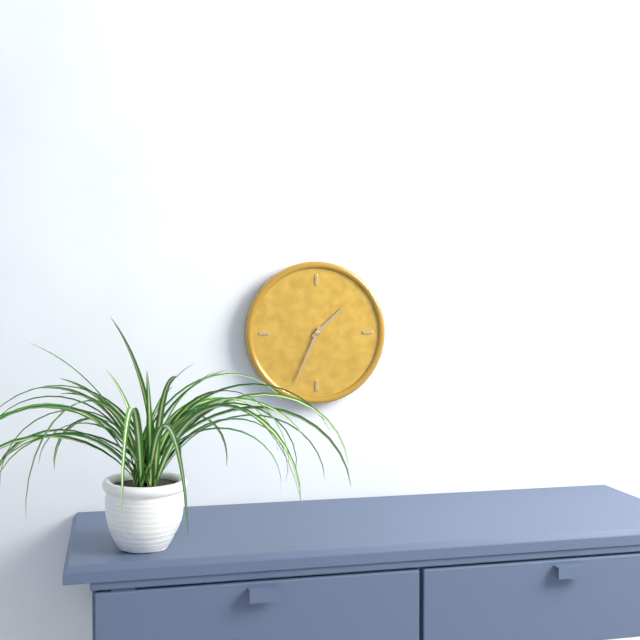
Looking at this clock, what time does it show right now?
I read 1:34
